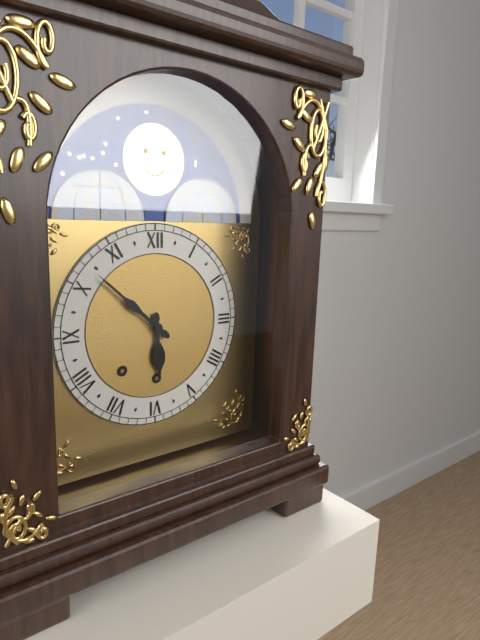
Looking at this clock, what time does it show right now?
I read 5:52
